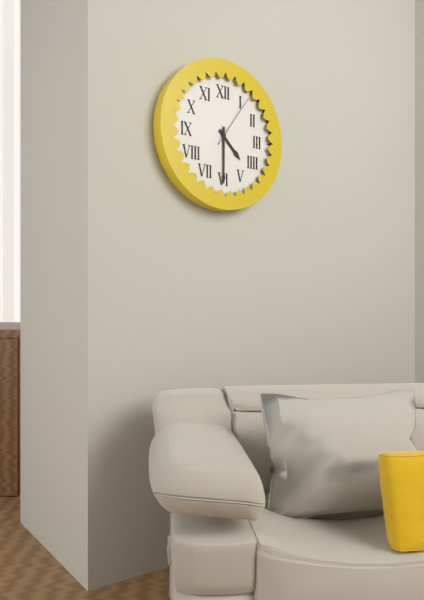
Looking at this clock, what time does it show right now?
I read 4:30:06
